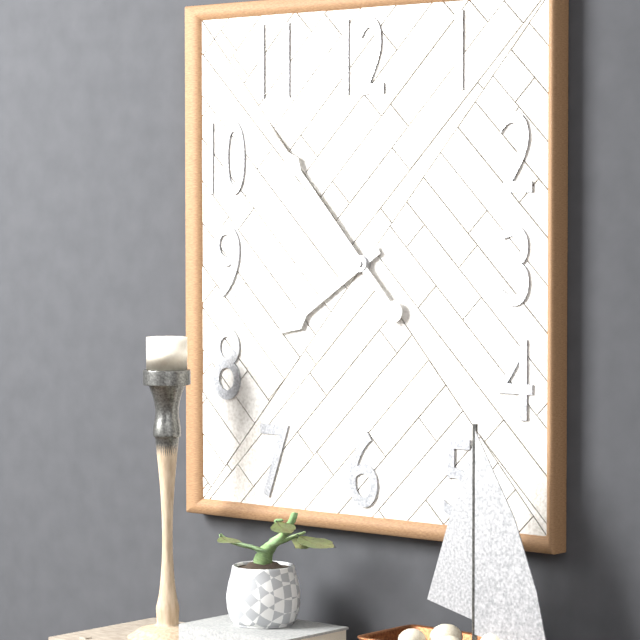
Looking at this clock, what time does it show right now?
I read 7:53
